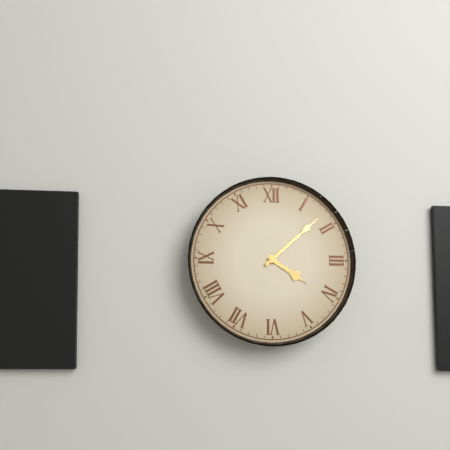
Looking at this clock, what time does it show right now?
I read 4:08
